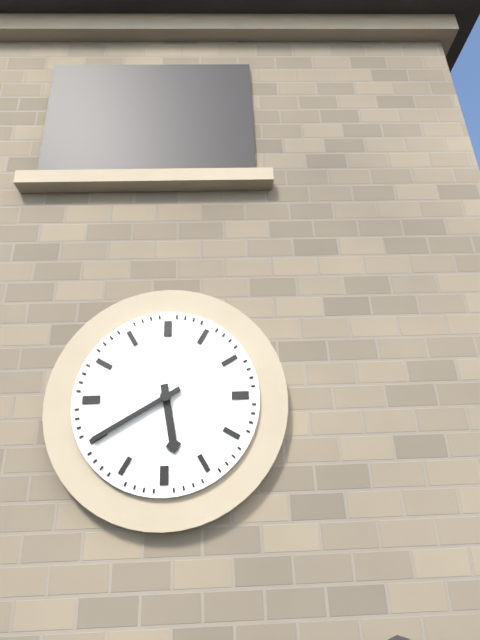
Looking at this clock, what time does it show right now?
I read 5:40
